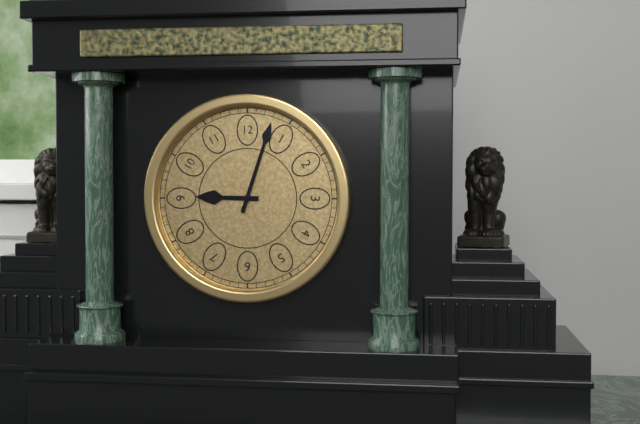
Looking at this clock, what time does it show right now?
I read 9:03
